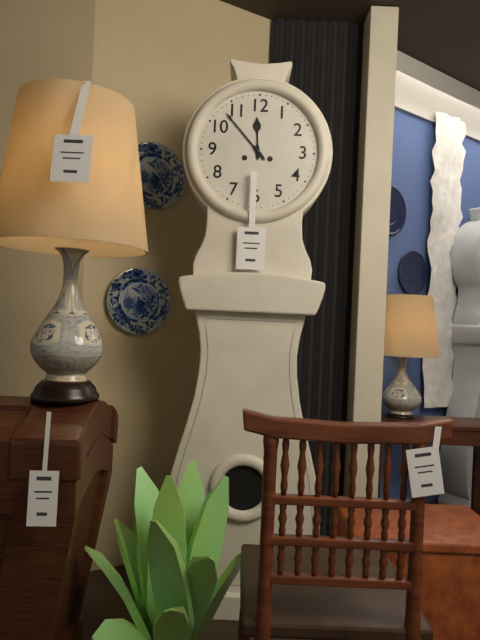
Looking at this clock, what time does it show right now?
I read 11:53
